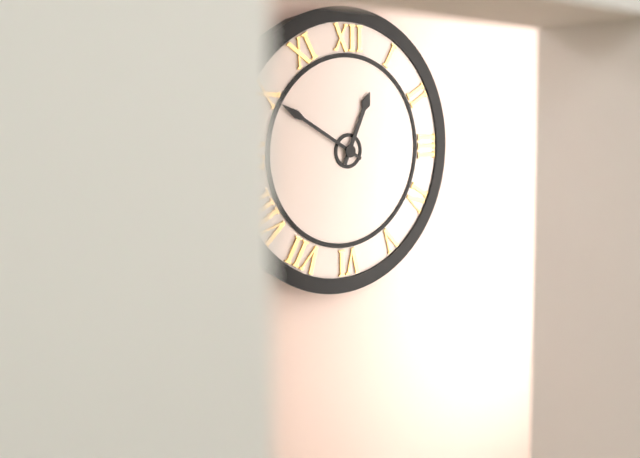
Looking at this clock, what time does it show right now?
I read 12:50
